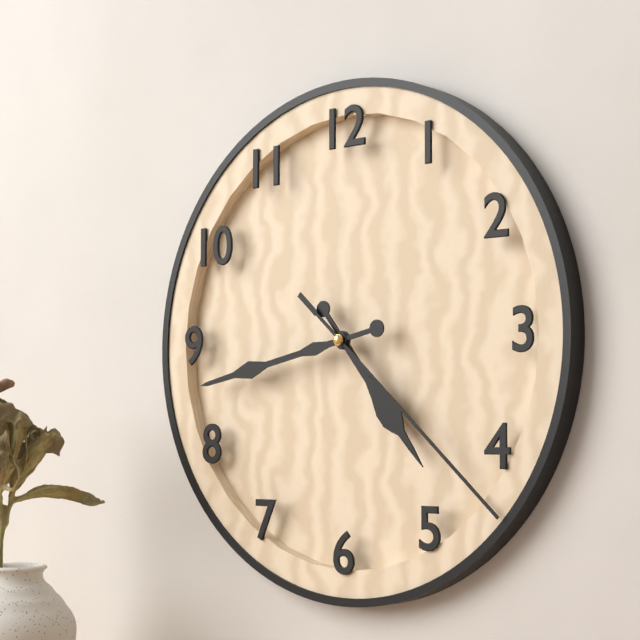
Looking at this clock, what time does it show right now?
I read 4:43:22
